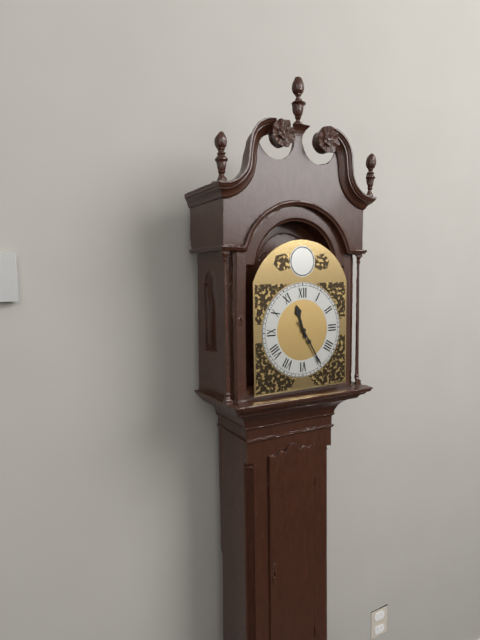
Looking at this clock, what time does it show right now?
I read 11:25
